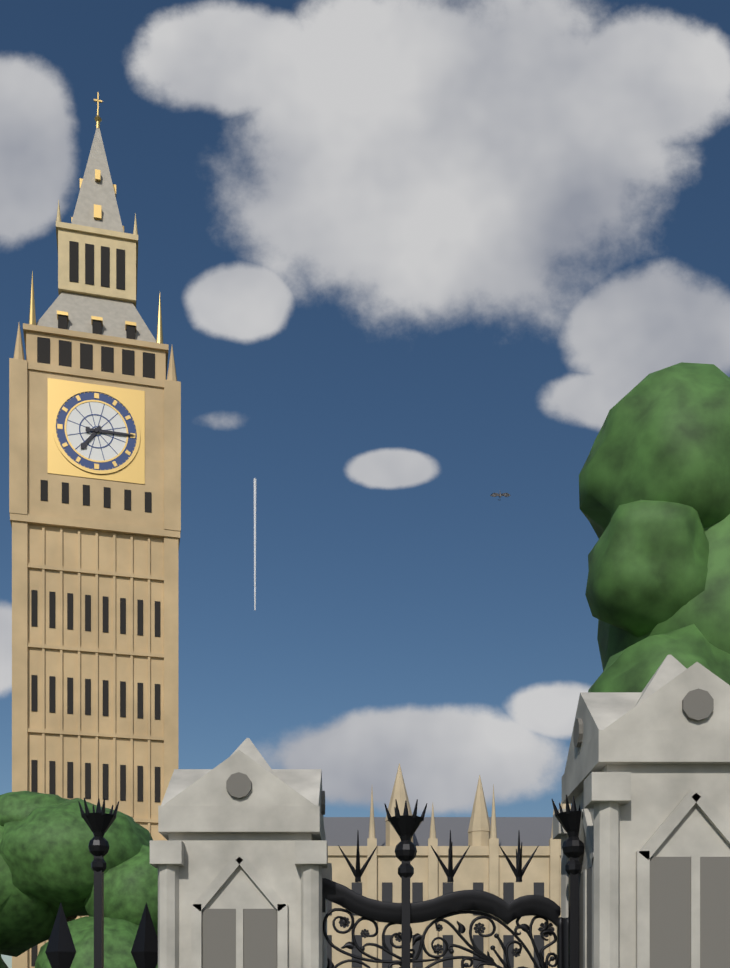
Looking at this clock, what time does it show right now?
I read 7:15
